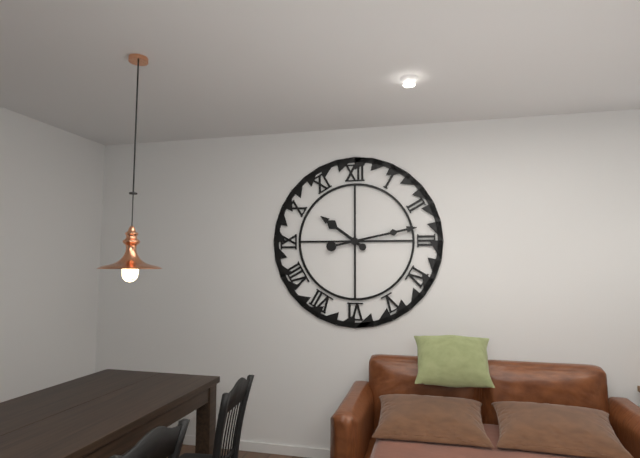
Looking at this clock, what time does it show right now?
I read 10:13
